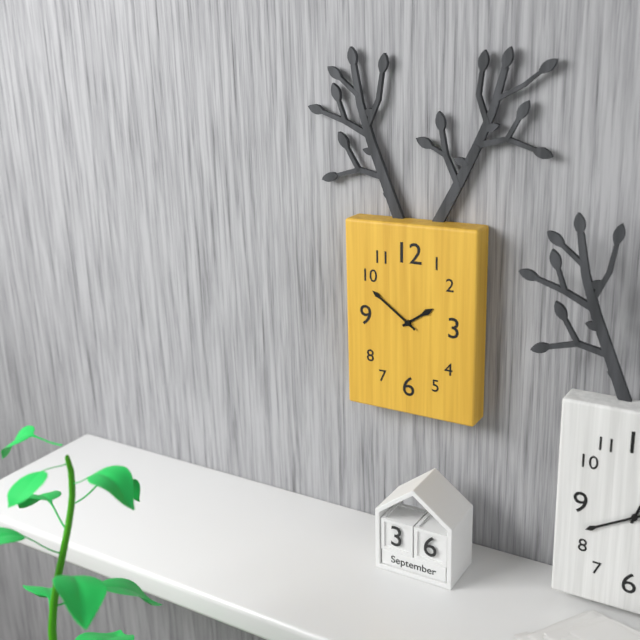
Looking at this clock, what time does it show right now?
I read 1:51
